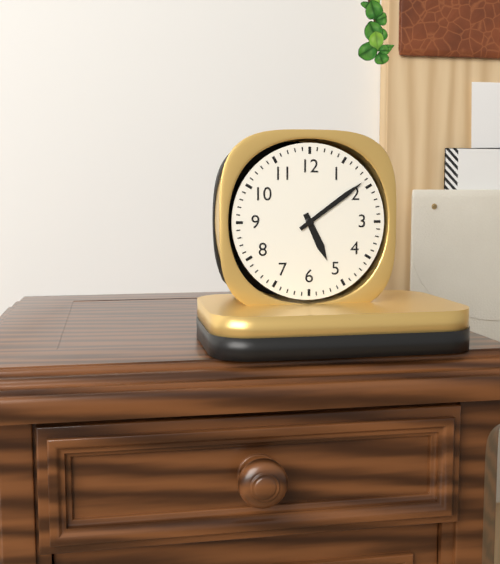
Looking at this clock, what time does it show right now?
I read 5:09
